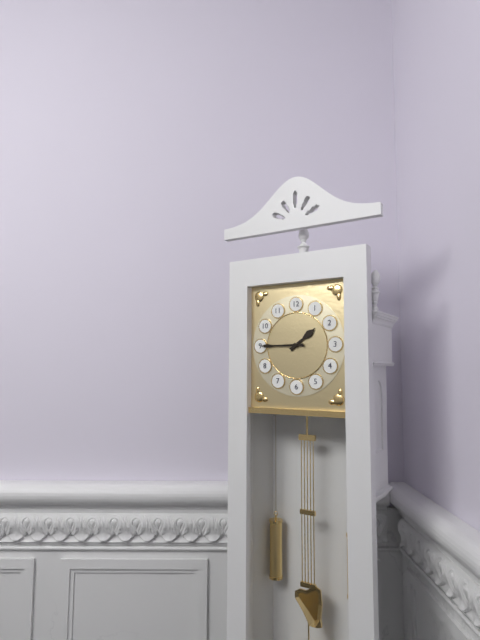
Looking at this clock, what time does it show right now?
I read 1:45
